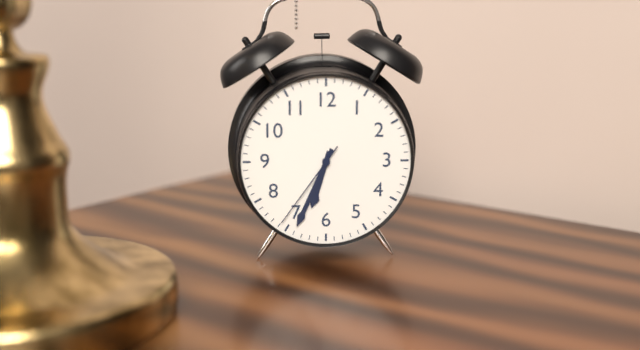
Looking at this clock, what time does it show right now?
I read 6:34:36
